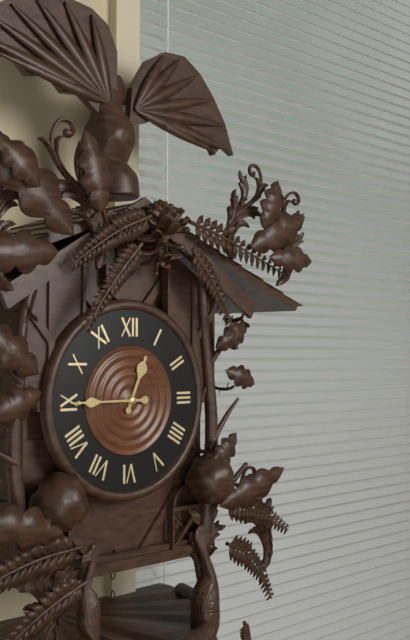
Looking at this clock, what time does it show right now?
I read 12:45
